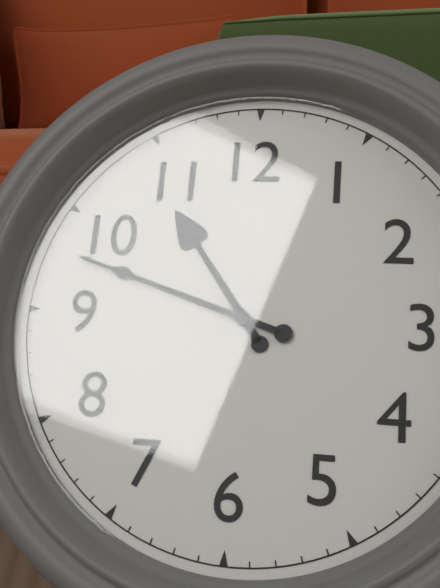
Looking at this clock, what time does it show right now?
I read 10:48
